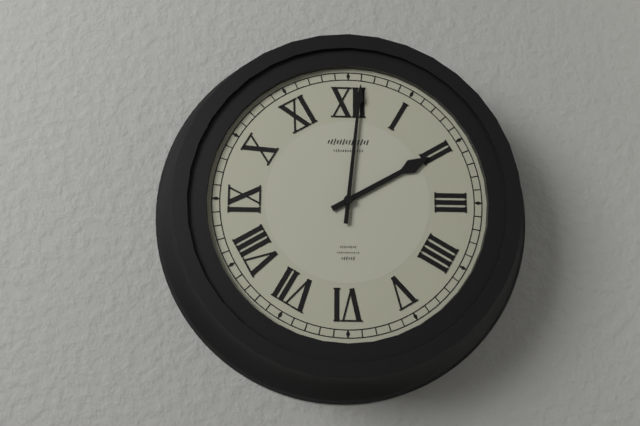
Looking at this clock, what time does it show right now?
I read 2:01
